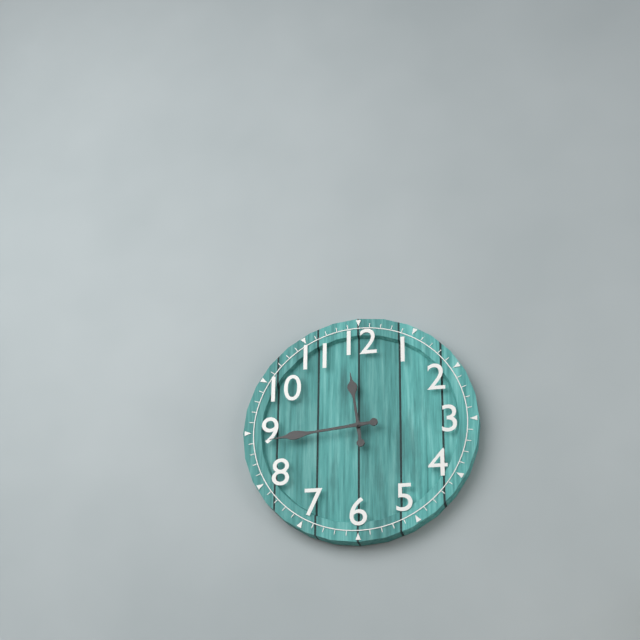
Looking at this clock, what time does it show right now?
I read 11:44
